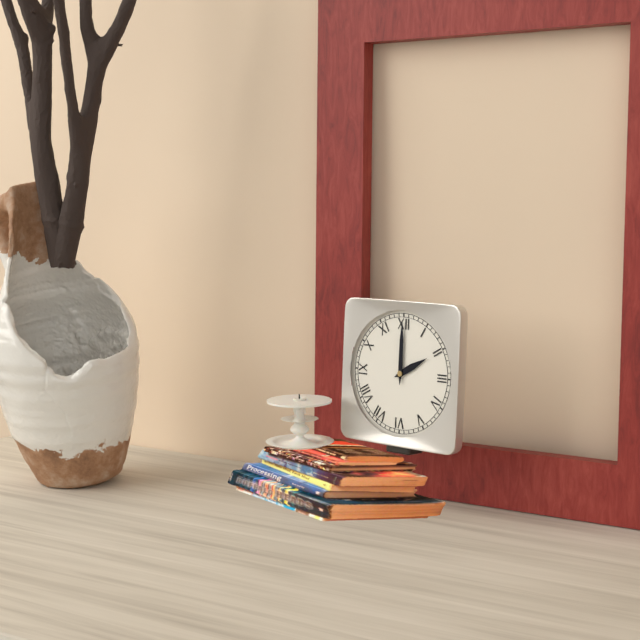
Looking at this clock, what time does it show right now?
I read 2:00
